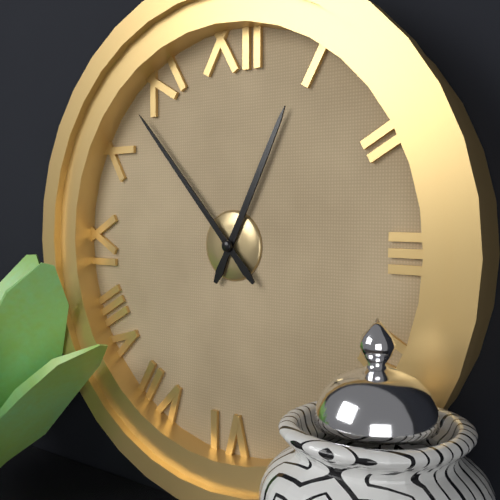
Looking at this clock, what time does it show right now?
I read 12:53
